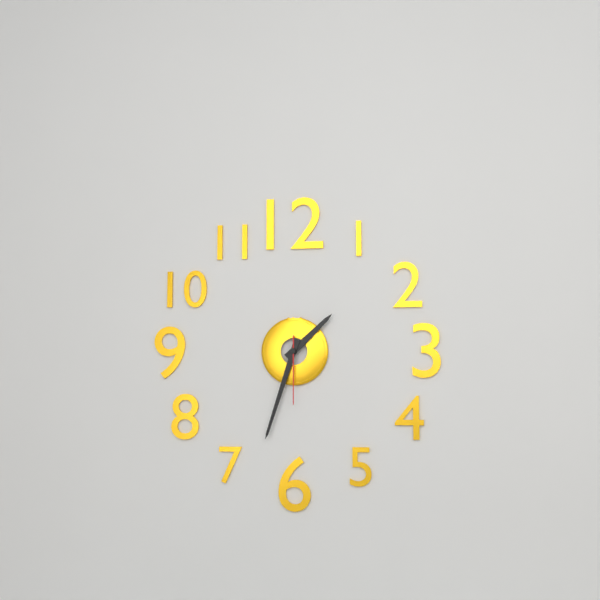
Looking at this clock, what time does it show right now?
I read 1:33:30
